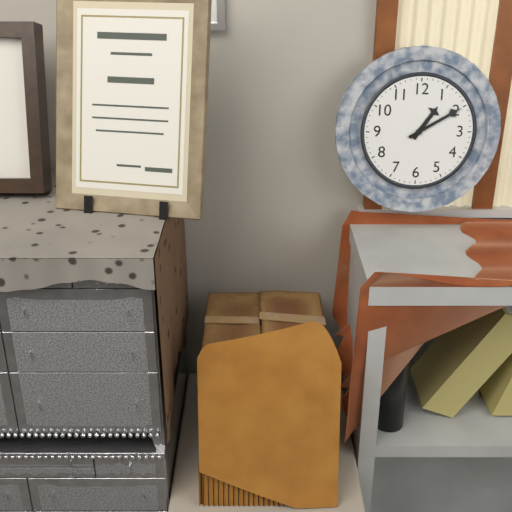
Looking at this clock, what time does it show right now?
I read 1:10
